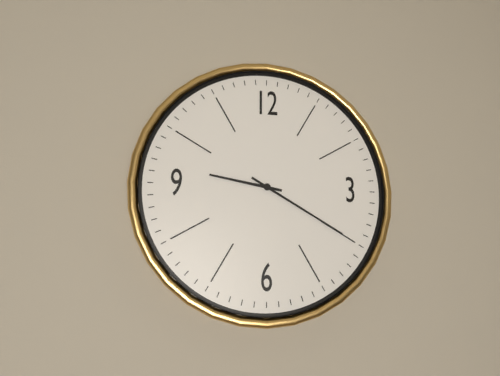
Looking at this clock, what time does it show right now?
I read 9:20
